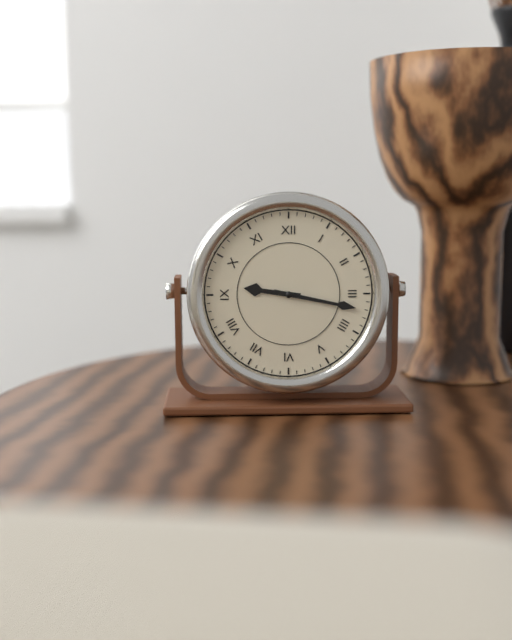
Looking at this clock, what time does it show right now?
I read 9:17
